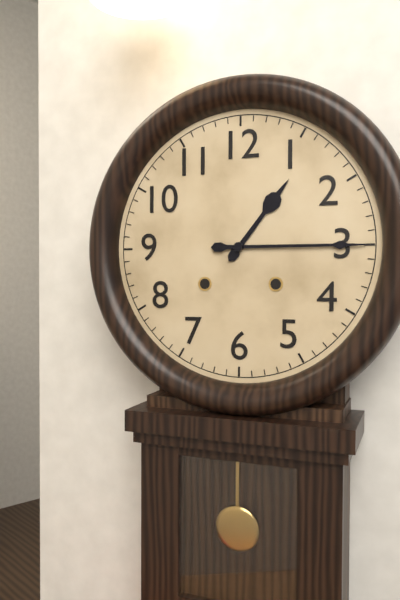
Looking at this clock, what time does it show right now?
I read 1:15
